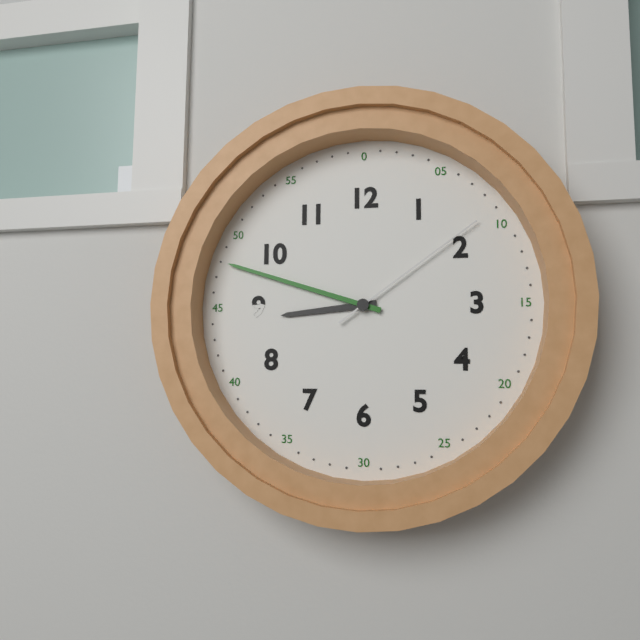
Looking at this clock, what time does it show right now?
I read 8:48:09
